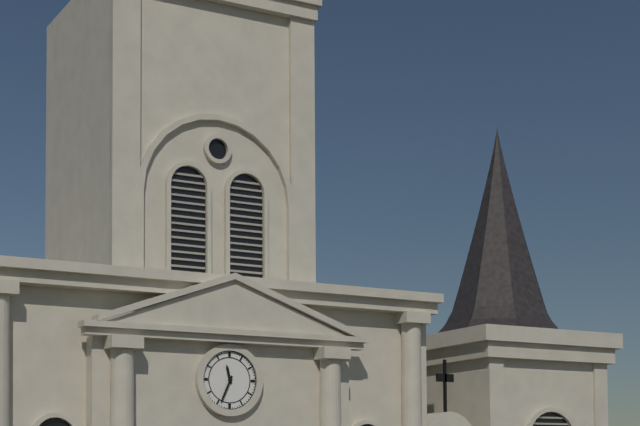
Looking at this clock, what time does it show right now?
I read 11:34
